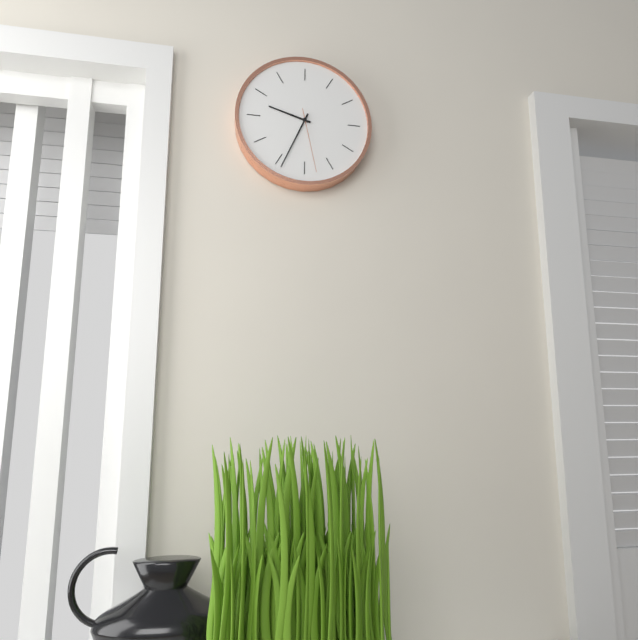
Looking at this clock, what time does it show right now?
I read 9:34:28
